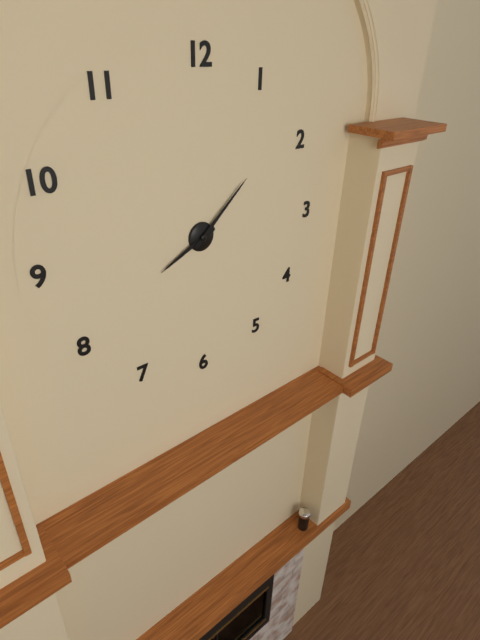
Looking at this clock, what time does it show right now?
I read 8:08
